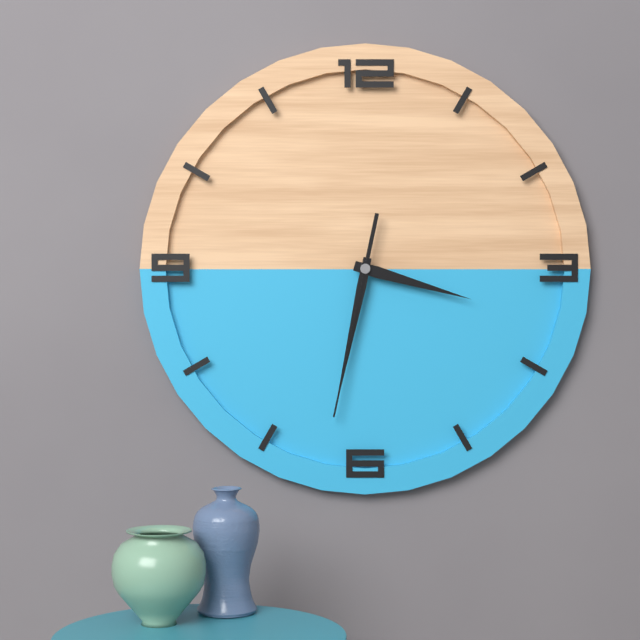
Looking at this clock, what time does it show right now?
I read 3:32:32
